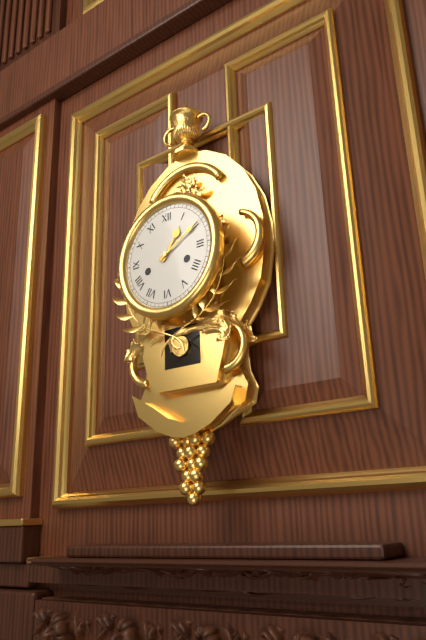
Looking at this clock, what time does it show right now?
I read 1:10
